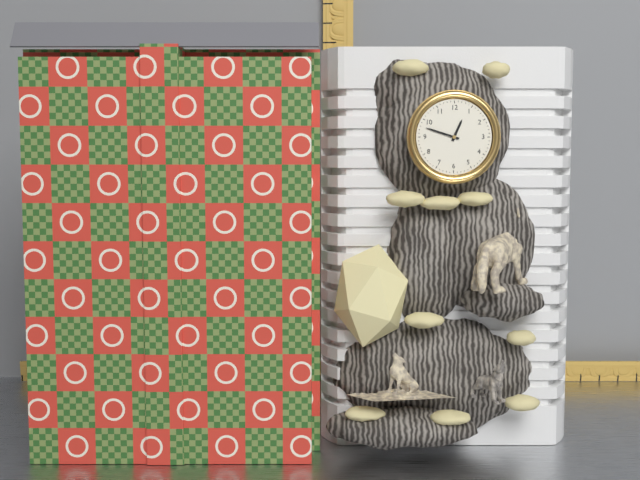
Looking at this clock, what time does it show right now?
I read 12:48
